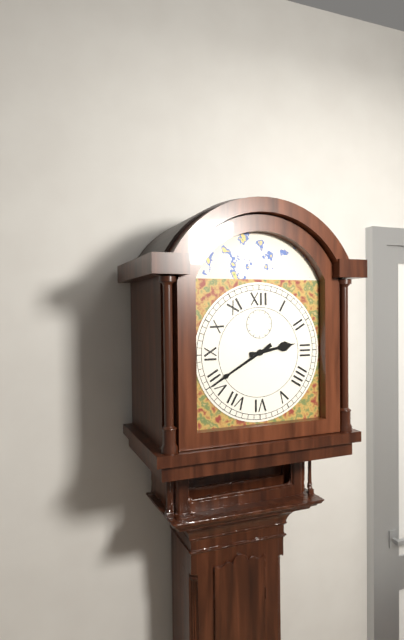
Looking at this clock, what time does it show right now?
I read 2:40
